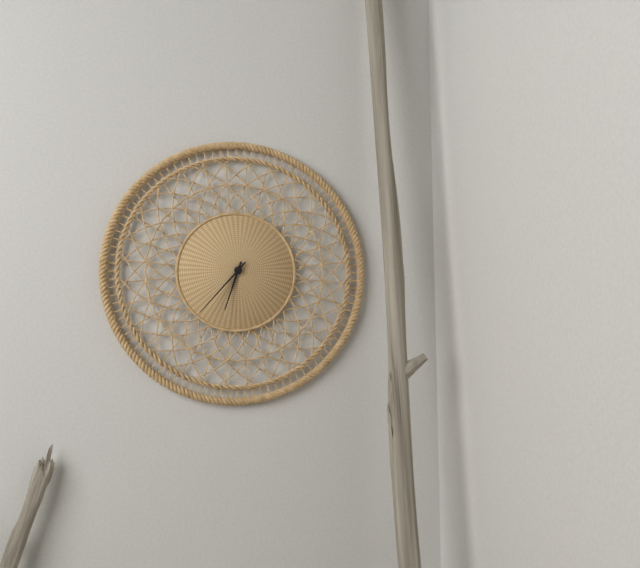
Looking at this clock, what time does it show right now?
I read 6:37
